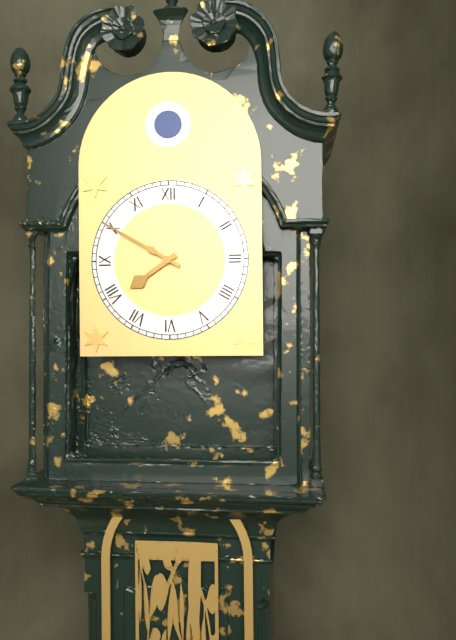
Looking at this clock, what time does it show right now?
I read 7:50
